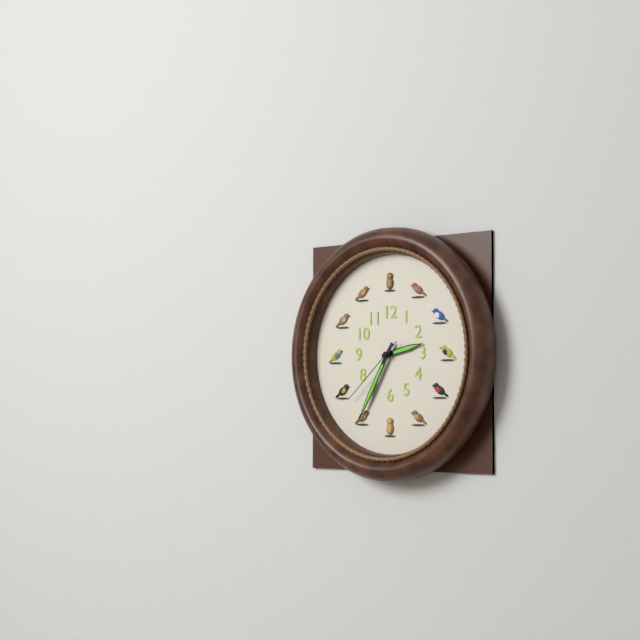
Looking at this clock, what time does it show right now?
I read 2:35:38
